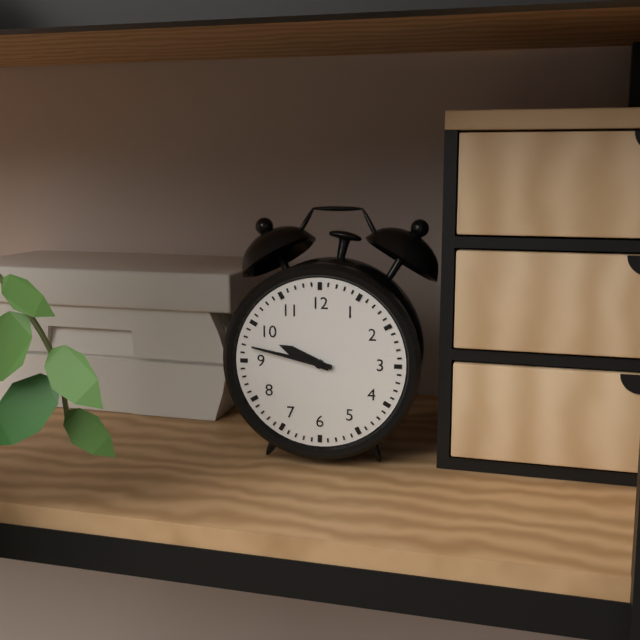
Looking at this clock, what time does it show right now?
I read 9:47
